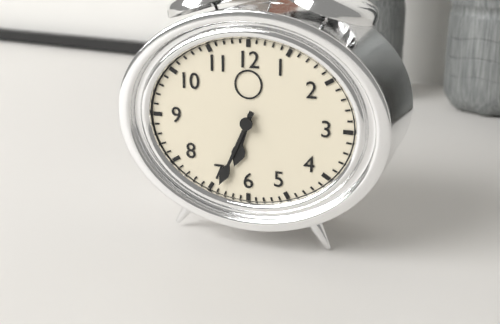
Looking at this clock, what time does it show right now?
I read 6:34
